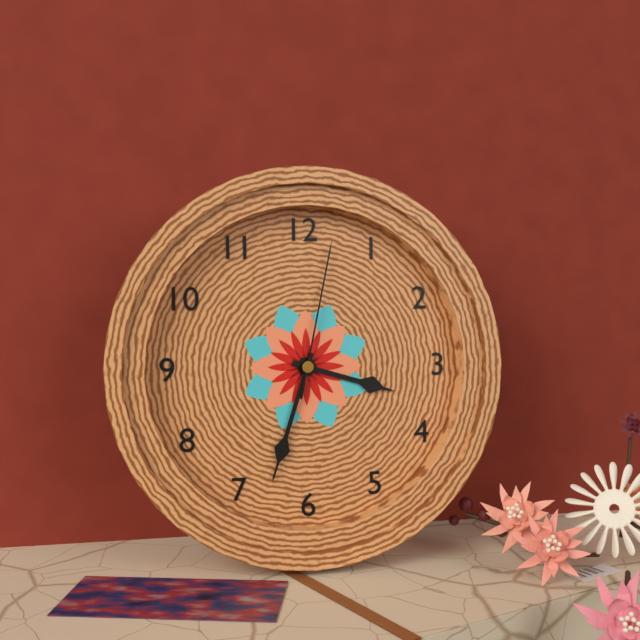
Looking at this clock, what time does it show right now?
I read 3:33:02
